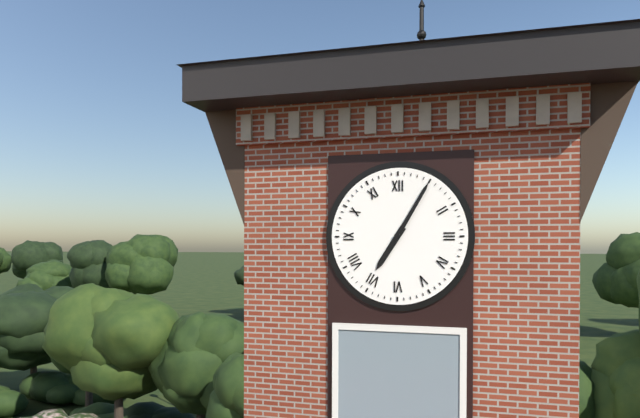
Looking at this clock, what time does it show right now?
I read 7:05
